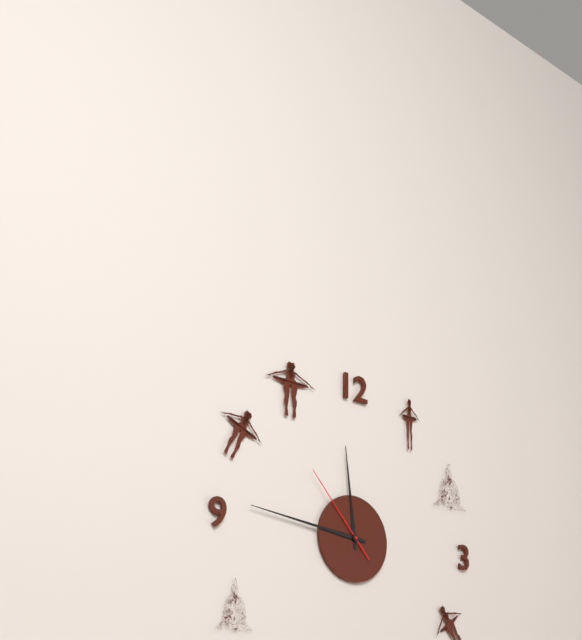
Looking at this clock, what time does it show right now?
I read 11:46:53
